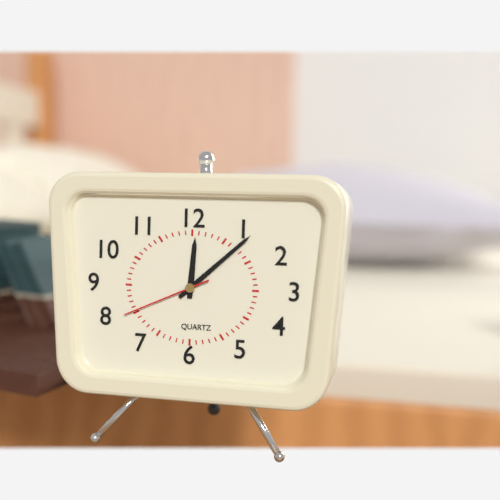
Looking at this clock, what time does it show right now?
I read 12:08:41
